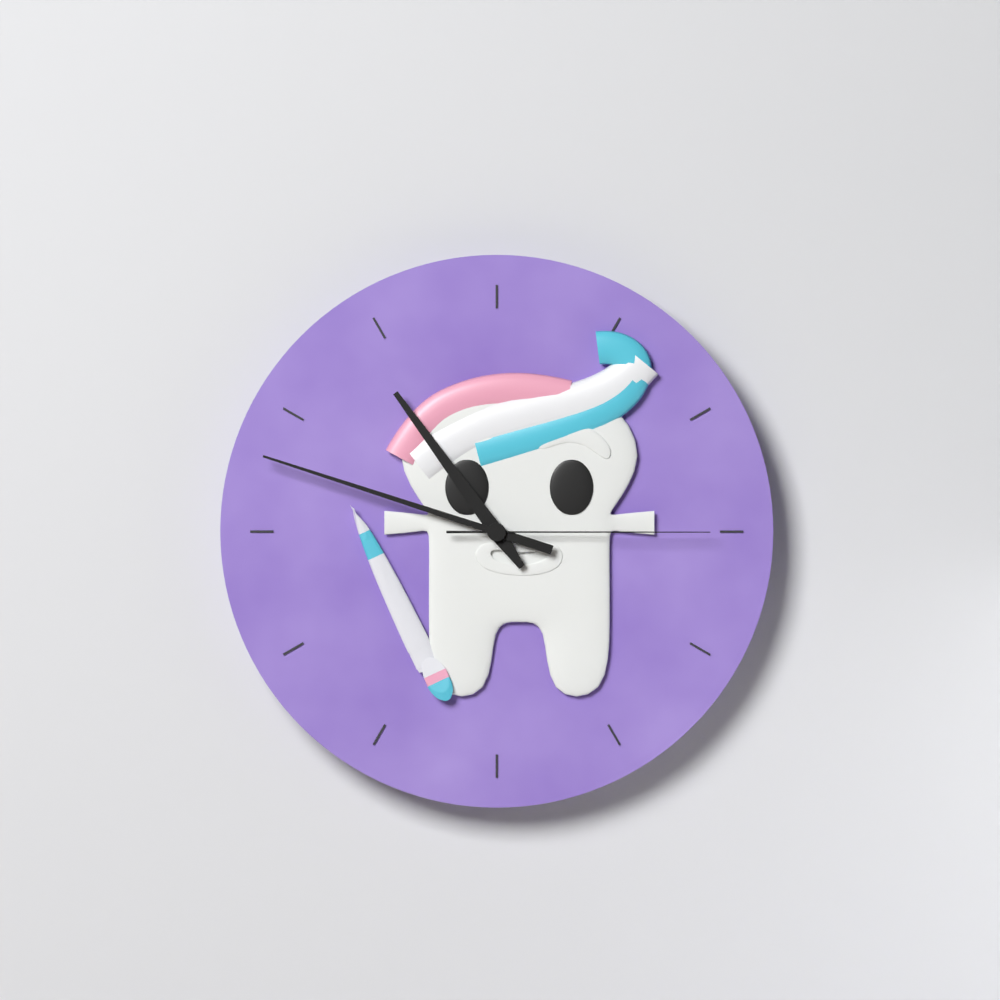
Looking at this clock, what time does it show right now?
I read 10:48:15
